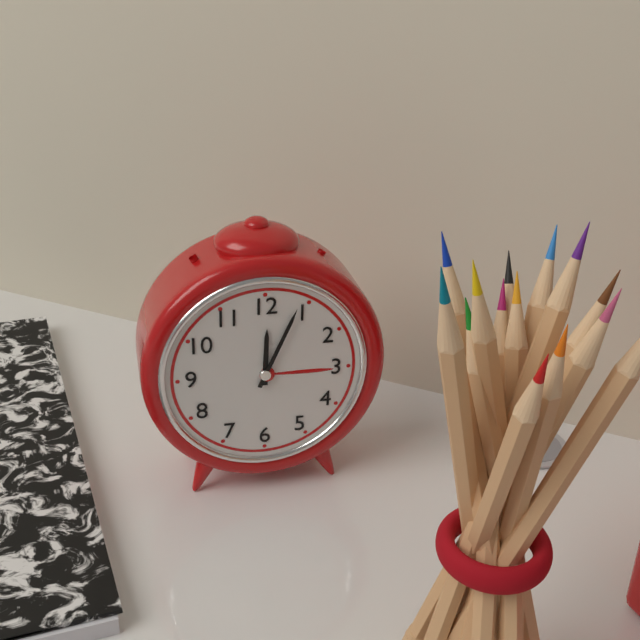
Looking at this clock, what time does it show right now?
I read 12:04
